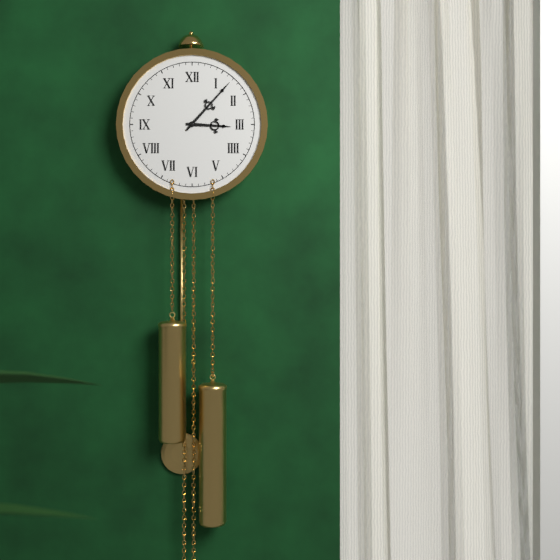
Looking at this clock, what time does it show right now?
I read 3:07
